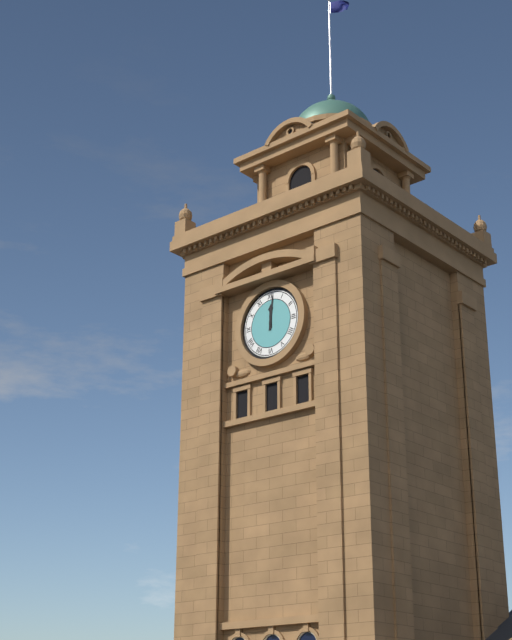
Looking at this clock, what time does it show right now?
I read 12:01
